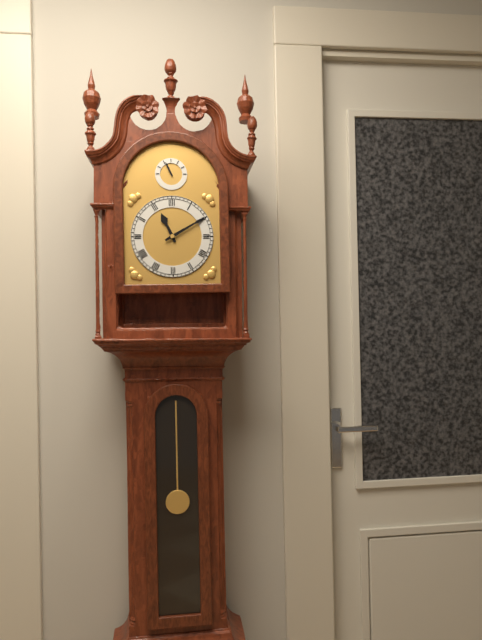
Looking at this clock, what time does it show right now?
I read 11:10
